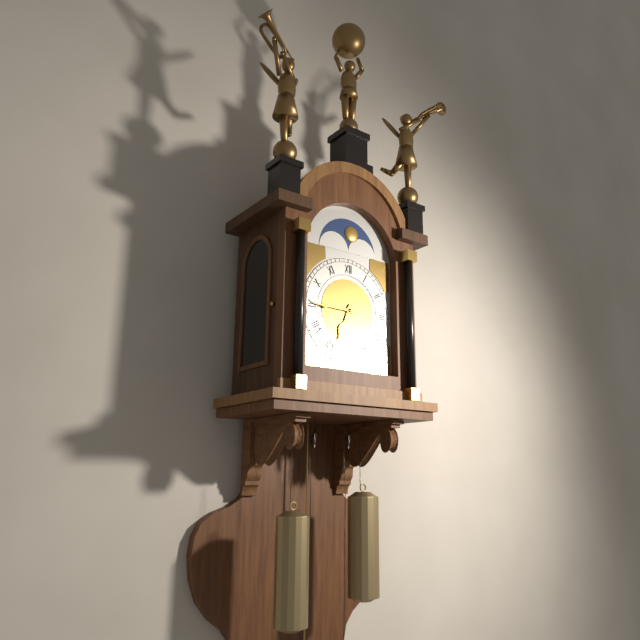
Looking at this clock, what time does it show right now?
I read 6:45
